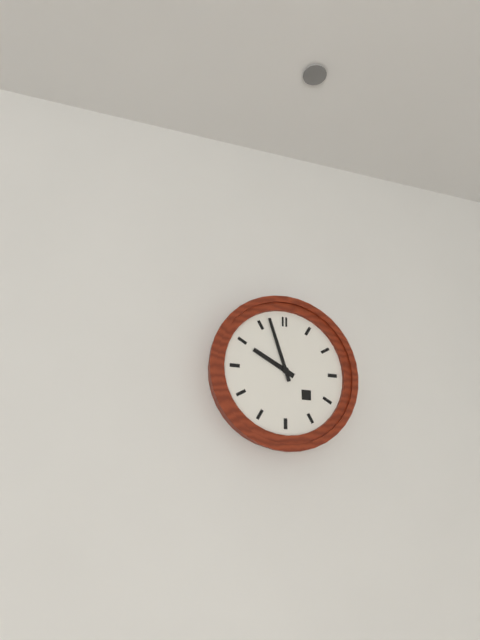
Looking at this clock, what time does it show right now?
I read 9:57
